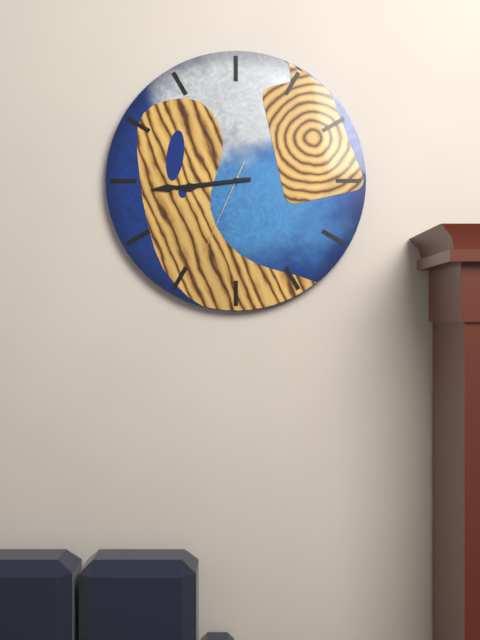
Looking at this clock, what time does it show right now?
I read 8:44:34
